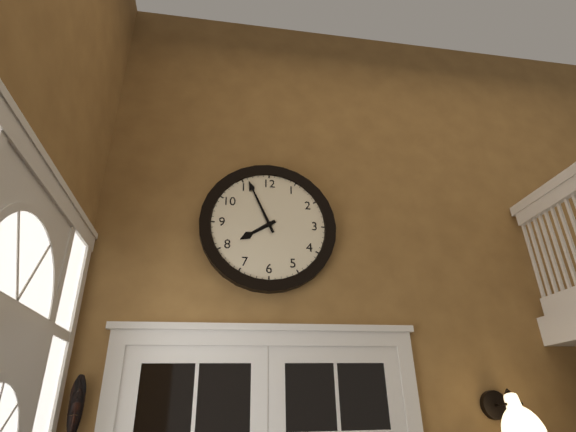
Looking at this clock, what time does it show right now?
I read 7:56
